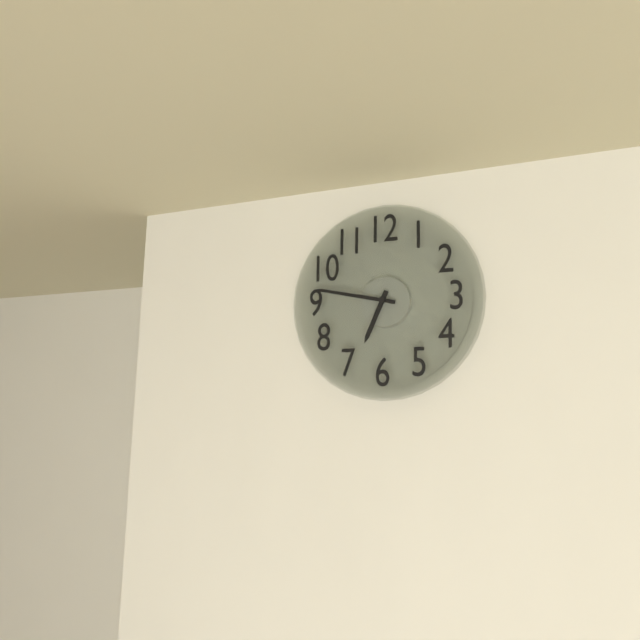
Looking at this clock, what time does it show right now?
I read 6:47
